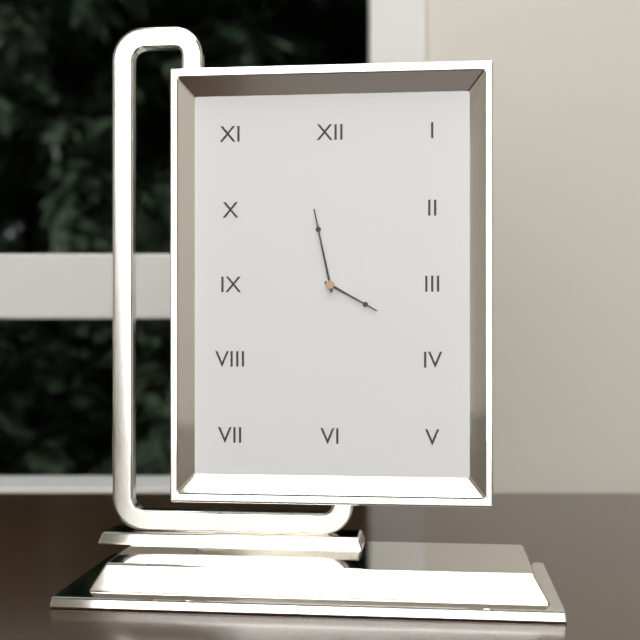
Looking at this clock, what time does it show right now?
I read 3:58
